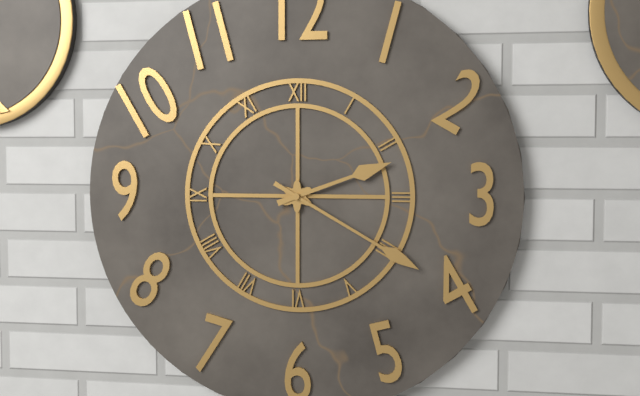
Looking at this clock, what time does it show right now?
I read 2:20
